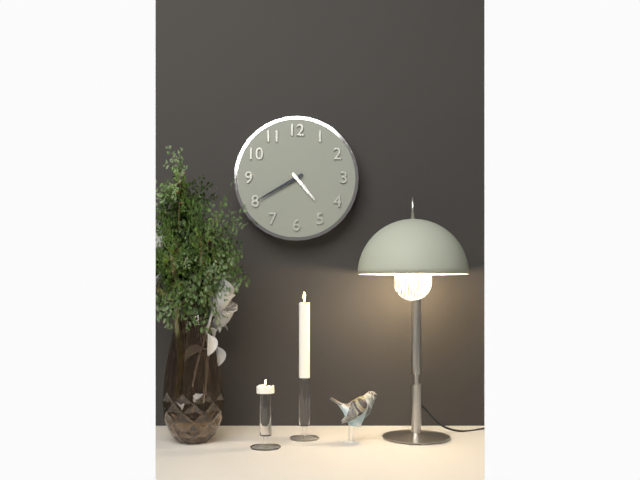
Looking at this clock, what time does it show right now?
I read 4:40
